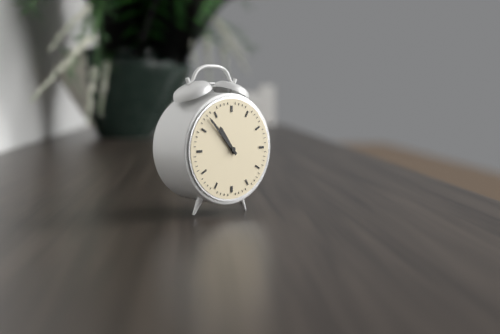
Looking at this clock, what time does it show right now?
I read 10:53
